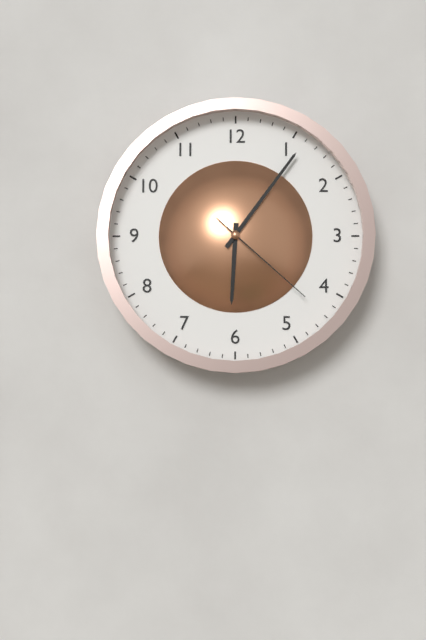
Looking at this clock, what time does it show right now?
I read 6:06:22
